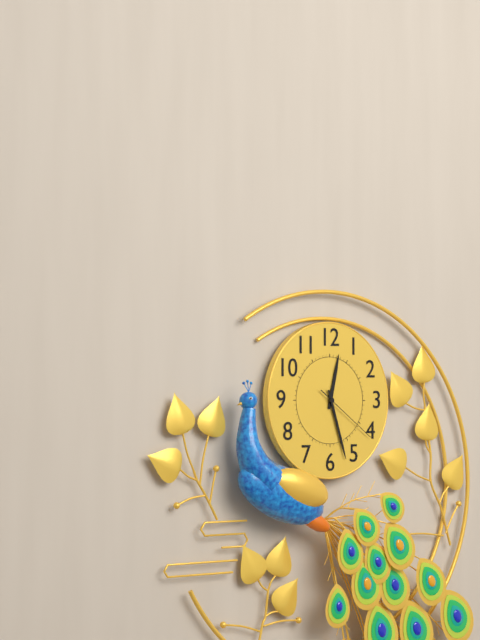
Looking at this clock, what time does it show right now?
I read 12:27:21
